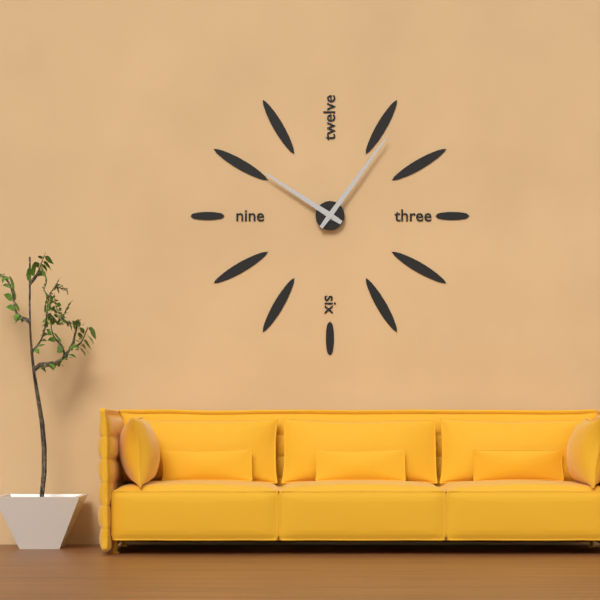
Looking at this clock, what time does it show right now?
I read 10:06
